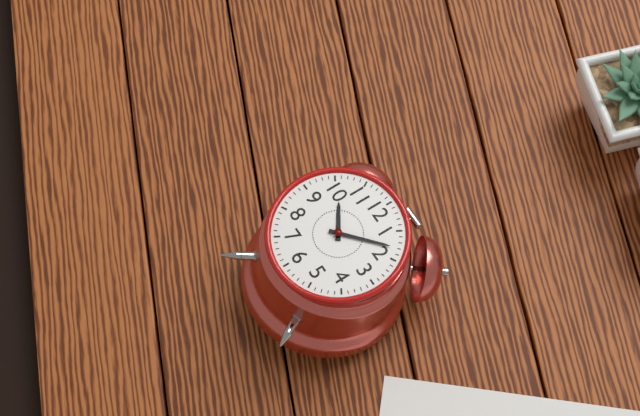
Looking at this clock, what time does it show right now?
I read 10:08
